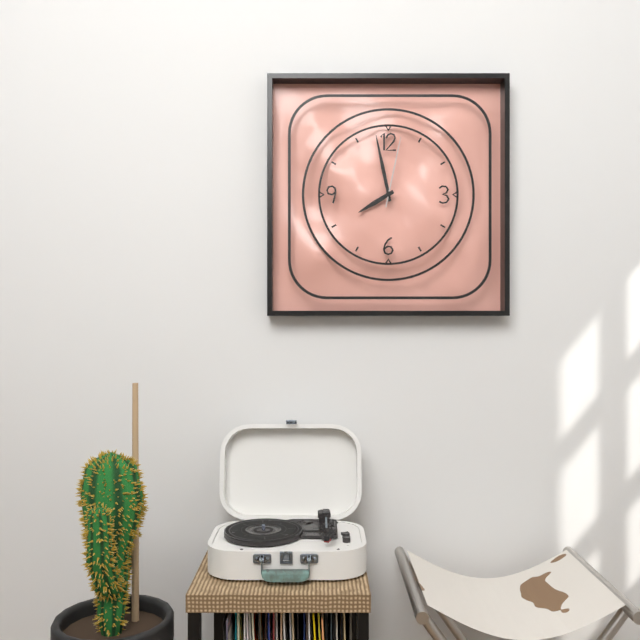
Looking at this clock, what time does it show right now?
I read 7:58:02
